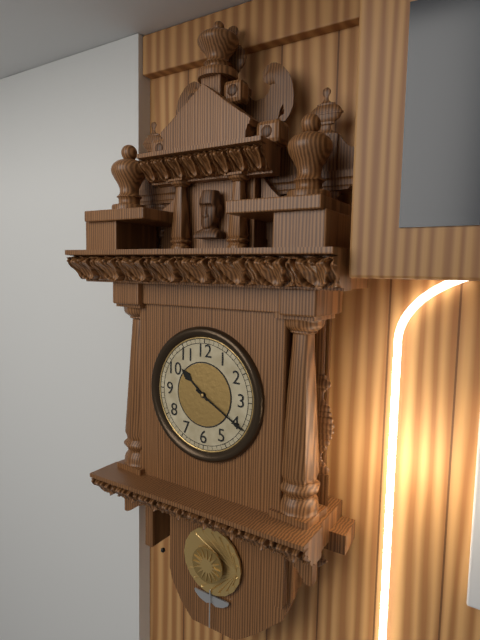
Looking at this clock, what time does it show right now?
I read 10:20
